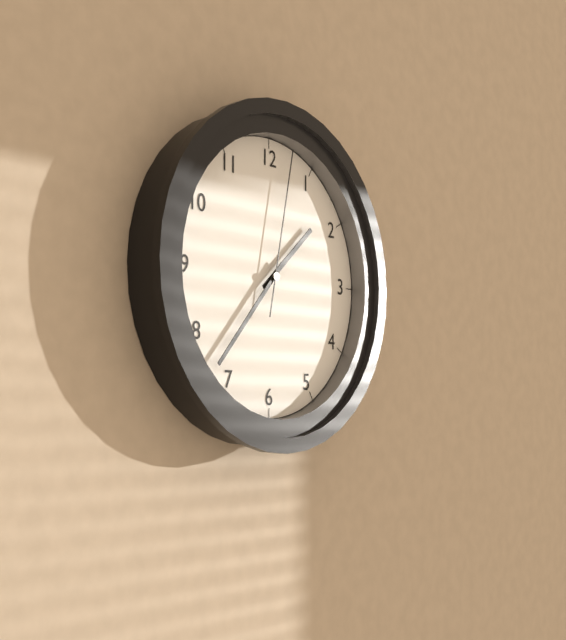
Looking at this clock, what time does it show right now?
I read 1:37:02
